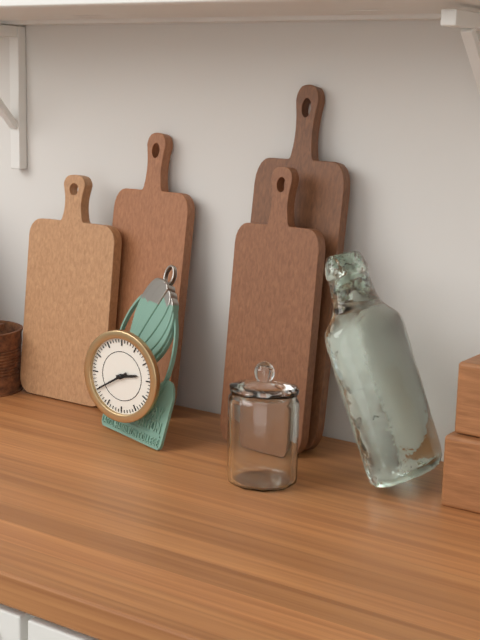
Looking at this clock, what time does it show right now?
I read 2:40
